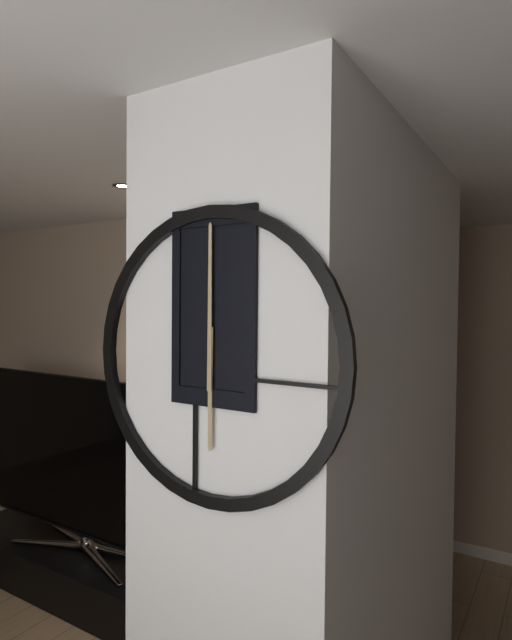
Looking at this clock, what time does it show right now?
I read 6:00
